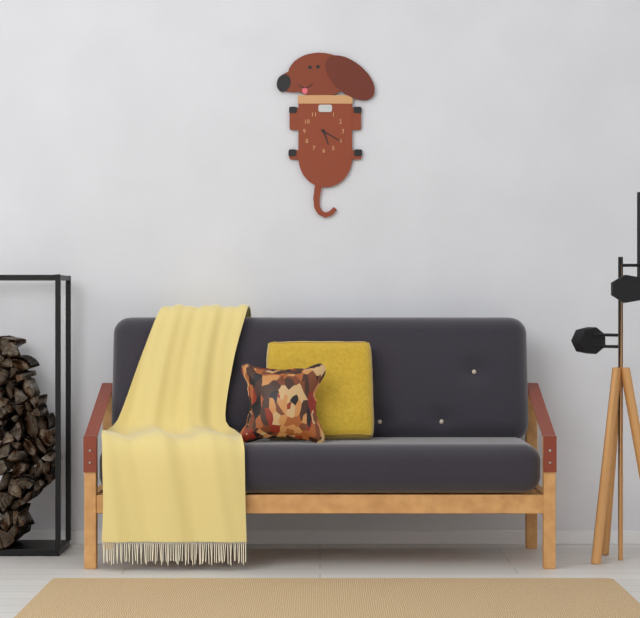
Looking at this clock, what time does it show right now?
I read 5:20
